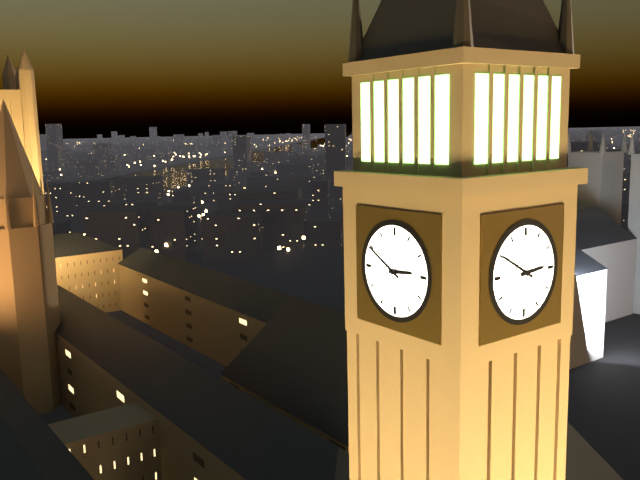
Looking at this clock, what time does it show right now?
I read 2:50
